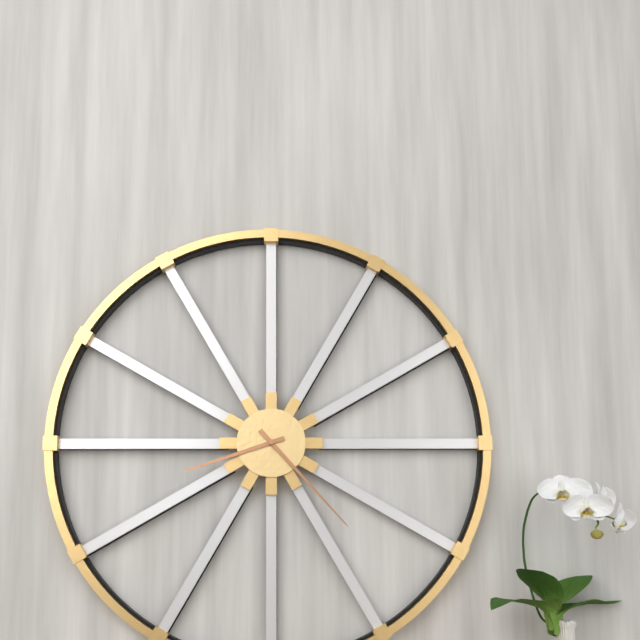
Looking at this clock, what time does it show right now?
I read 8:23
